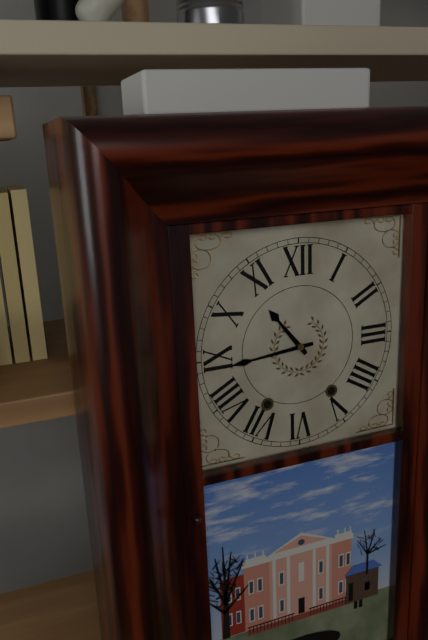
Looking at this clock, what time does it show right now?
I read 10:44
